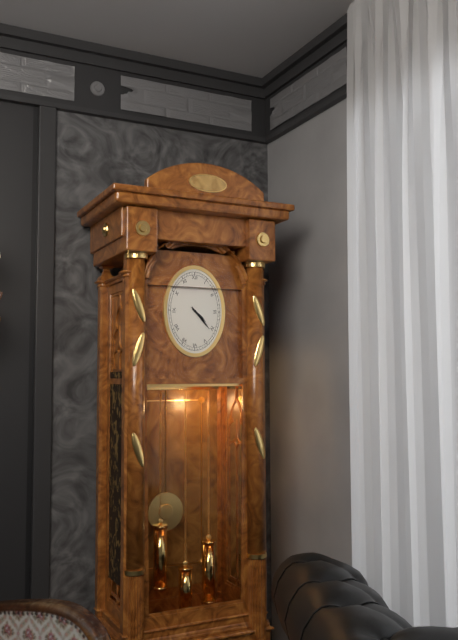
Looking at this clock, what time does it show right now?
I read 4:23
